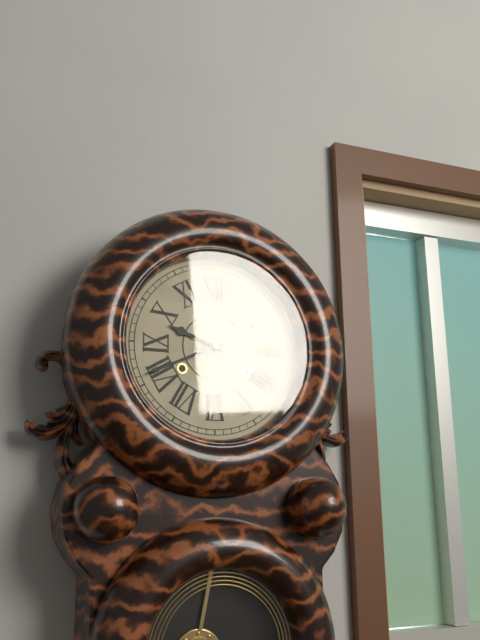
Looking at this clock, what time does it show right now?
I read 9:41
